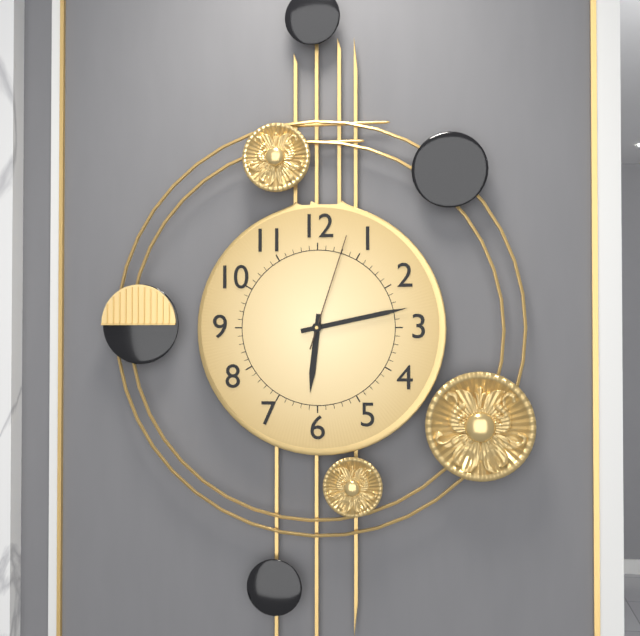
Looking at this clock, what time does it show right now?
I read 6:13:03
